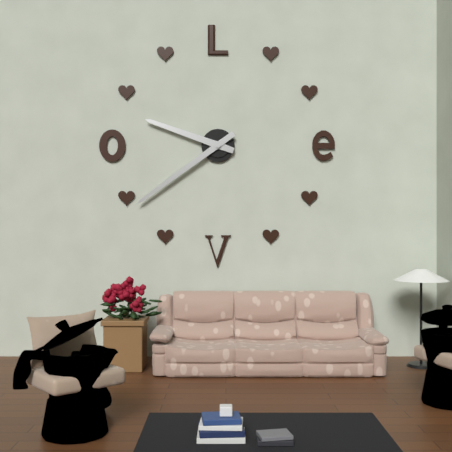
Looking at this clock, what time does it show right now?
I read 9:39
